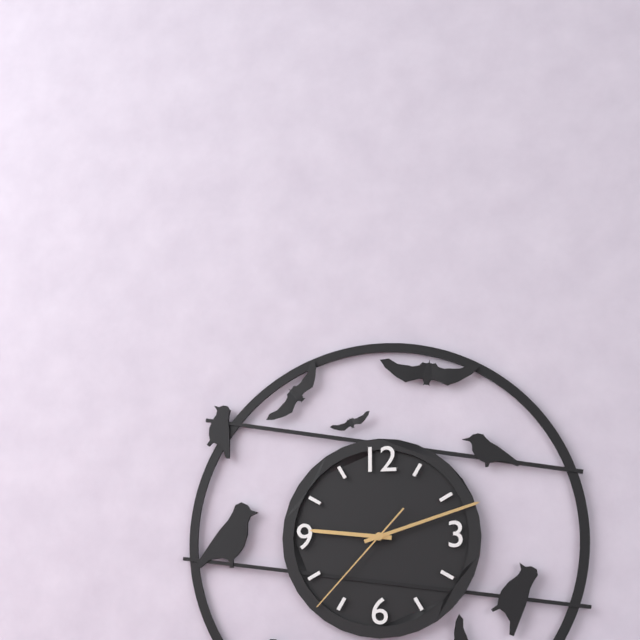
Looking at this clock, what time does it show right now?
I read 9:12:37
